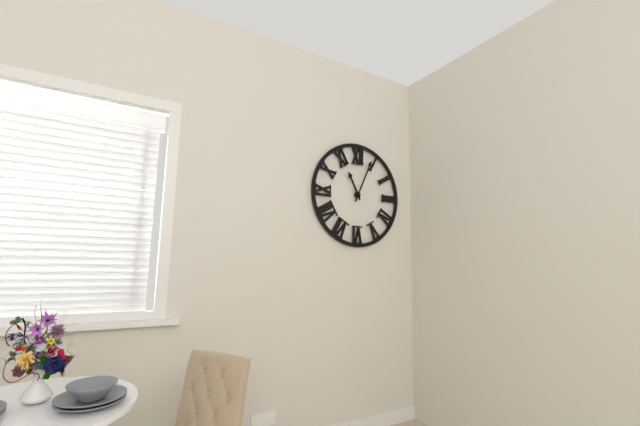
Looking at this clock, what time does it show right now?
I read 11:04
